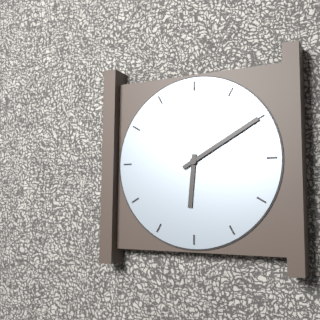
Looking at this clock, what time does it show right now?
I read 6:10
